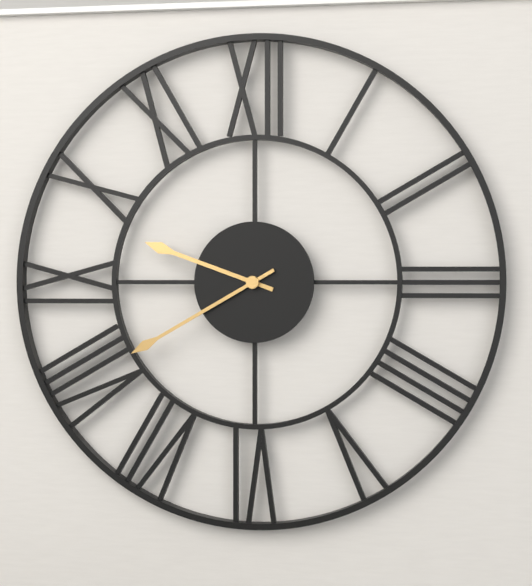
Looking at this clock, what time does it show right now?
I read 9:40
